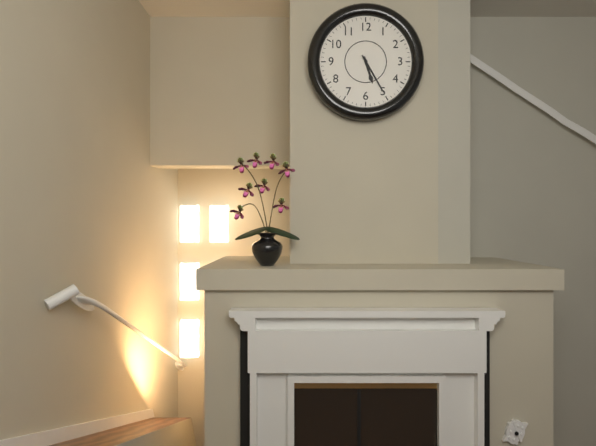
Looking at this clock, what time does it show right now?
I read 5:25
